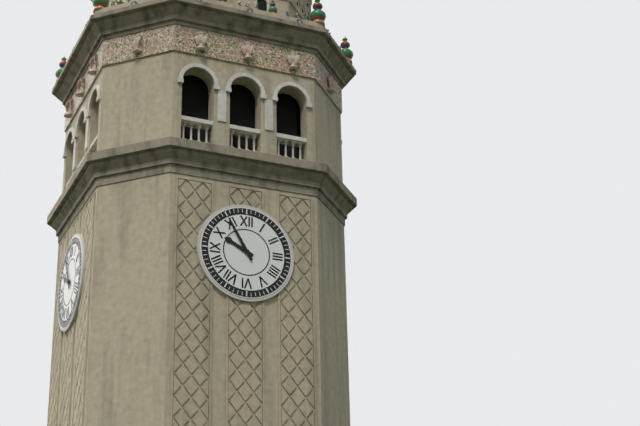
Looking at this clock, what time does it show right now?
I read 9:55
